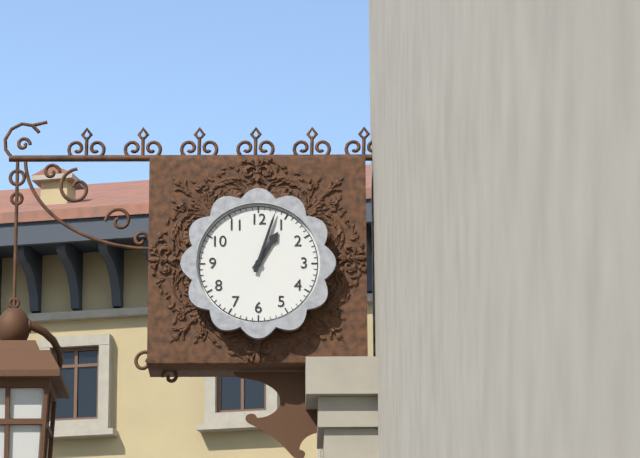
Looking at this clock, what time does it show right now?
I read 1:03
